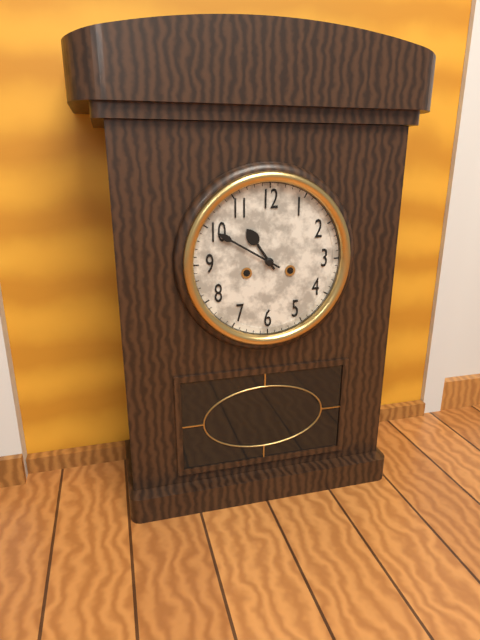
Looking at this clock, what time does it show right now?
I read 10:50
